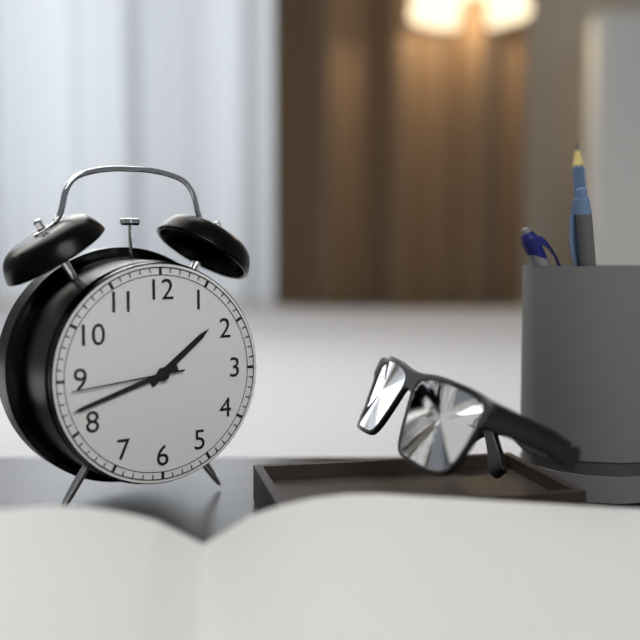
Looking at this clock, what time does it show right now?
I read 1:42:44
